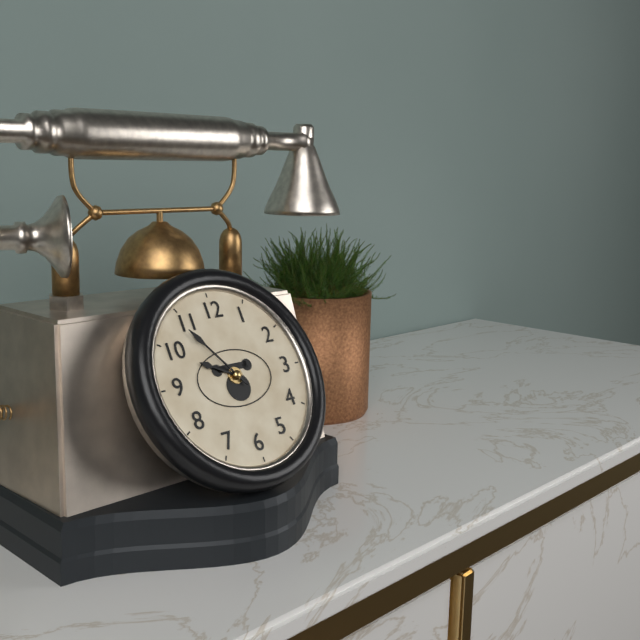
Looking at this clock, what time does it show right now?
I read 9:54
